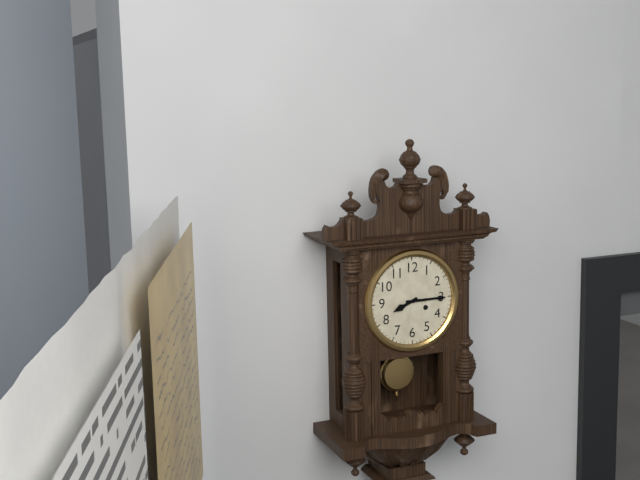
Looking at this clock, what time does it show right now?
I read 8:15
